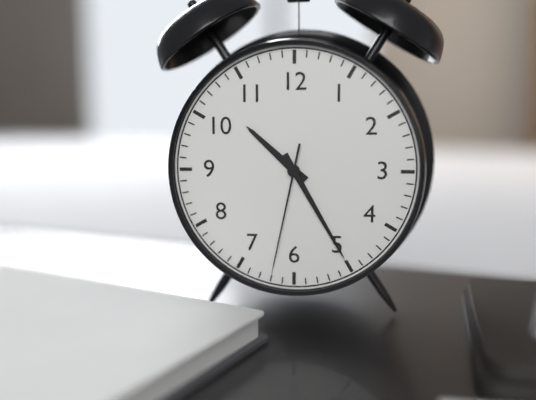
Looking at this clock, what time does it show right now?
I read 10:25:32
